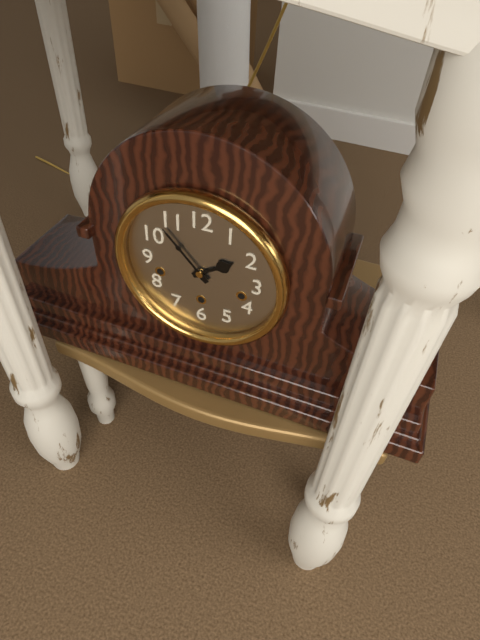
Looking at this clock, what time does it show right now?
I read 1:53
